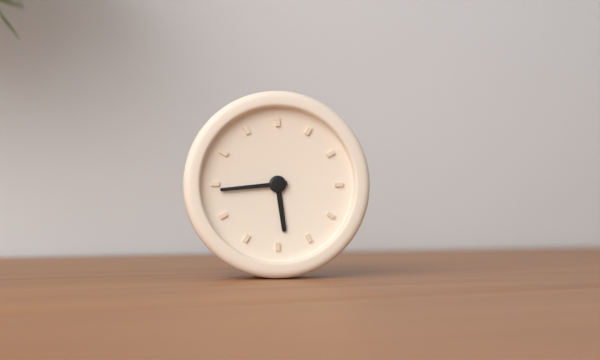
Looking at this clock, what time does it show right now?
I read 5:44
